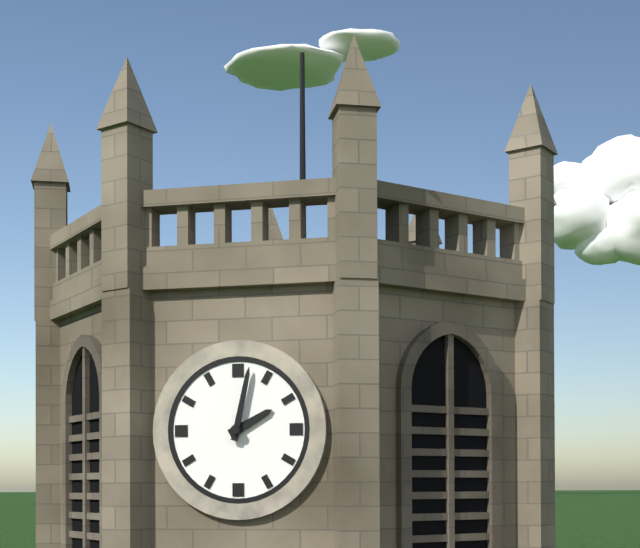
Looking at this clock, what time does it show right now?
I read 2:02
